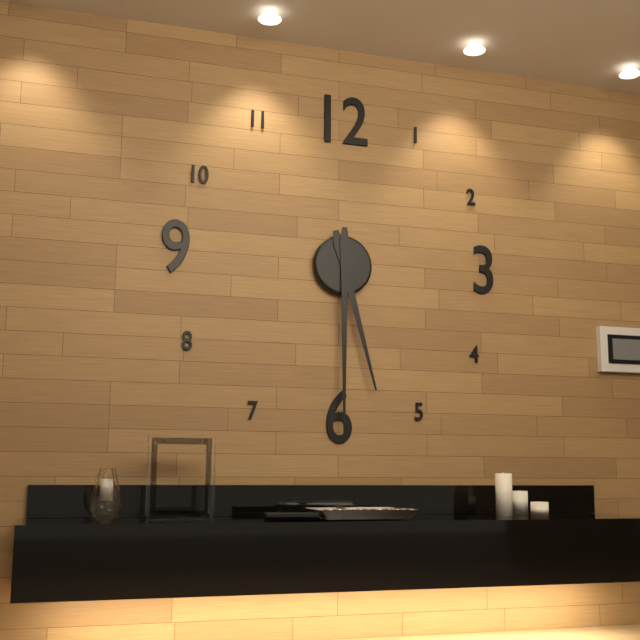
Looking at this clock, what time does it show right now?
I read 5:30
